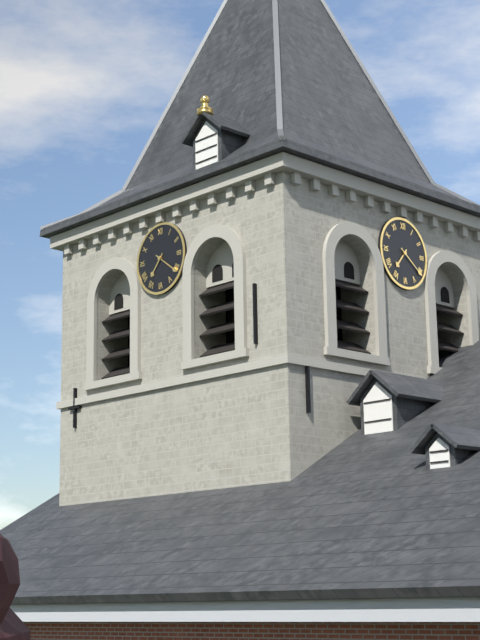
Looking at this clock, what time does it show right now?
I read 7:21
